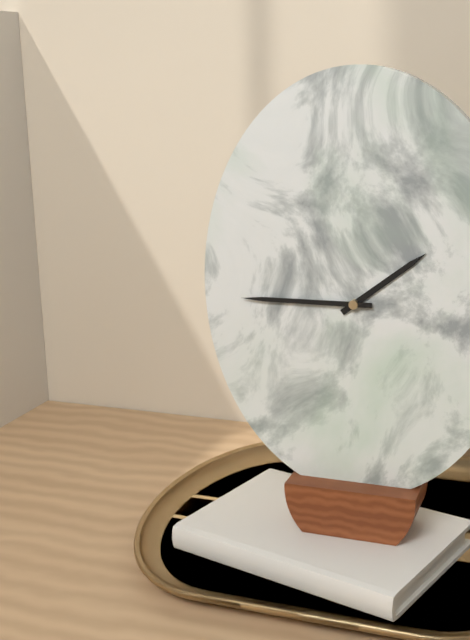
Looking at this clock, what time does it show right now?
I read 1:45
